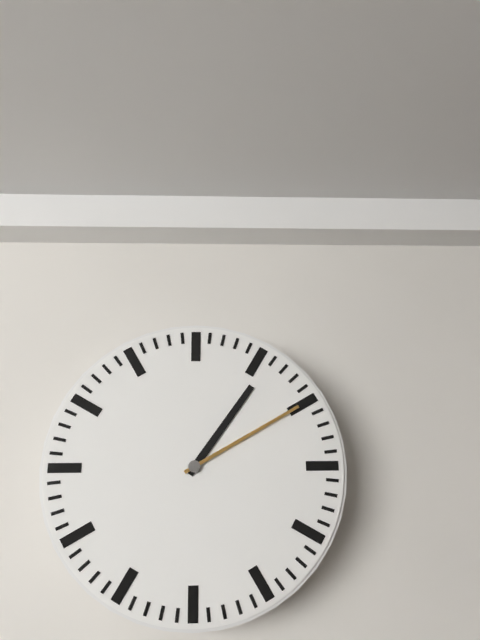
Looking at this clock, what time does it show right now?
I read 1:10
